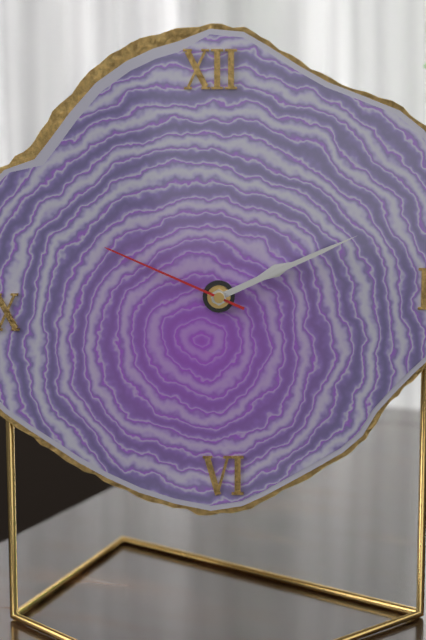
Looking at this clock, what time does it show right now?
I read 2:11:49
